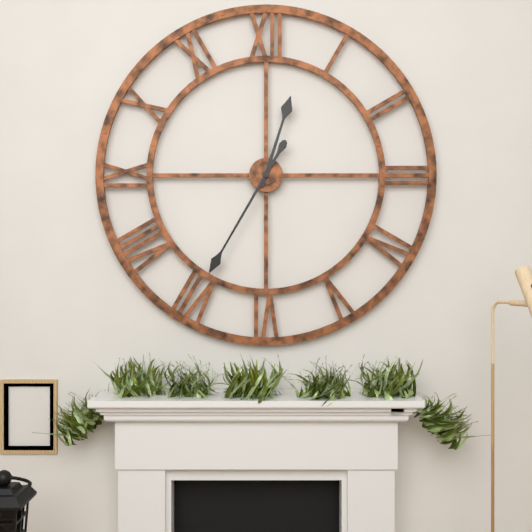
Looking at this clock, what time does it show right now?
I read 12:35
